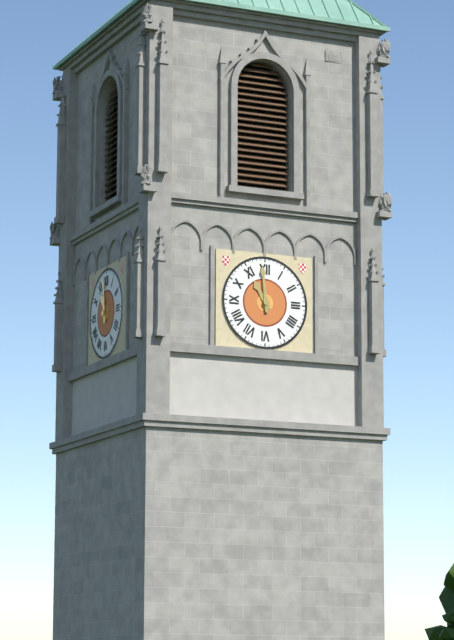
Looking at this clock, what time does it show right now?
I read 10:59
